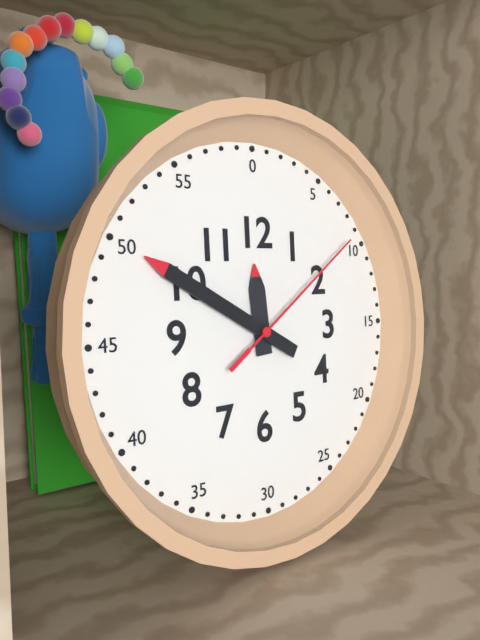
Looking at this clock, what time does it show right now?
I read 11:50:09
